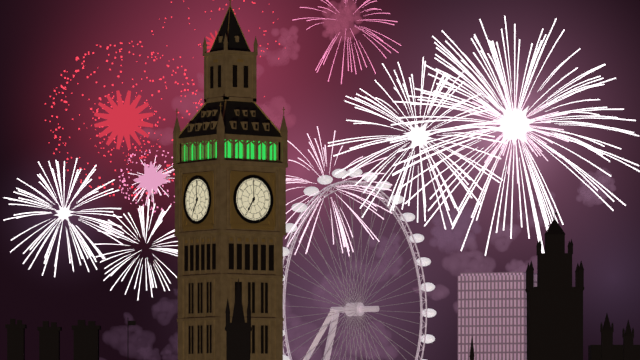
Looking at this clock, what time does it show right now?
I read 7:00
